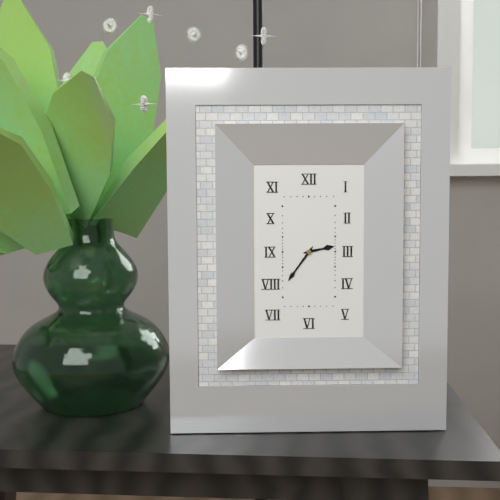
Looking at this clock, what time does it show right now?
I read 2:36
